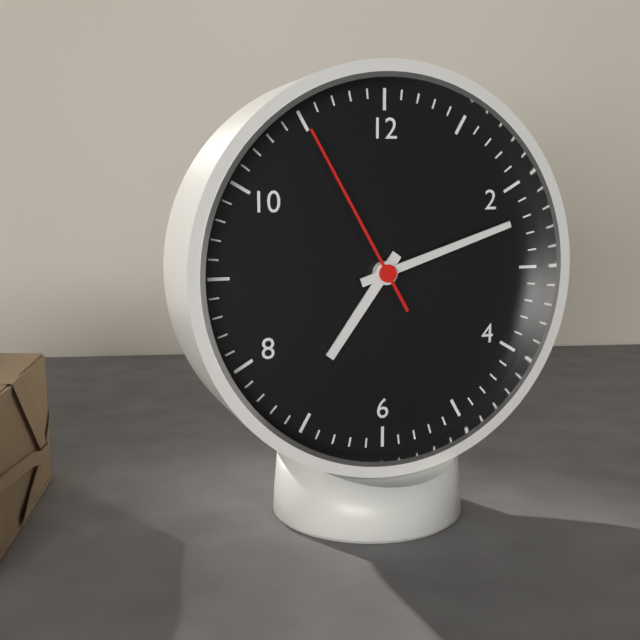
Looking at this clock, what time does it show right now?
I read 7:12:55
